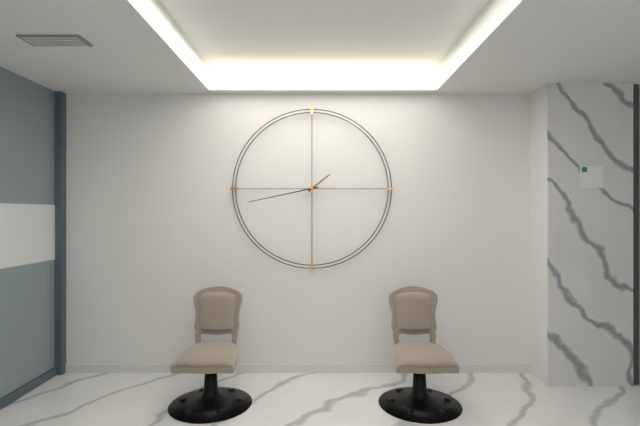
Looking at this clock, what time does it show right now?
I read 1:43
